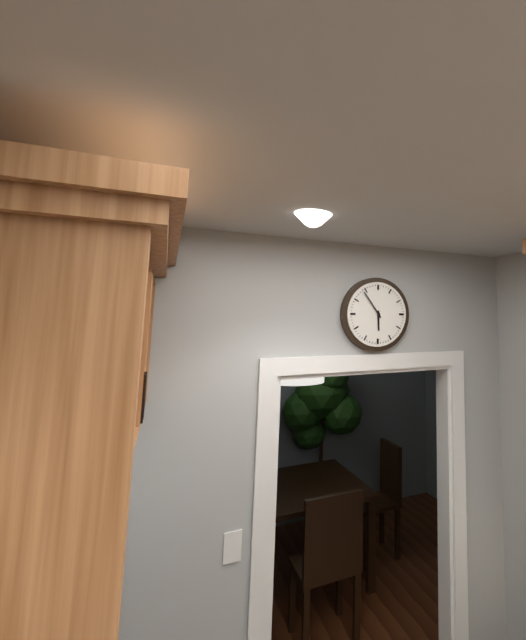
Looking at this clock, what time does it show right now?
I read 5:54
